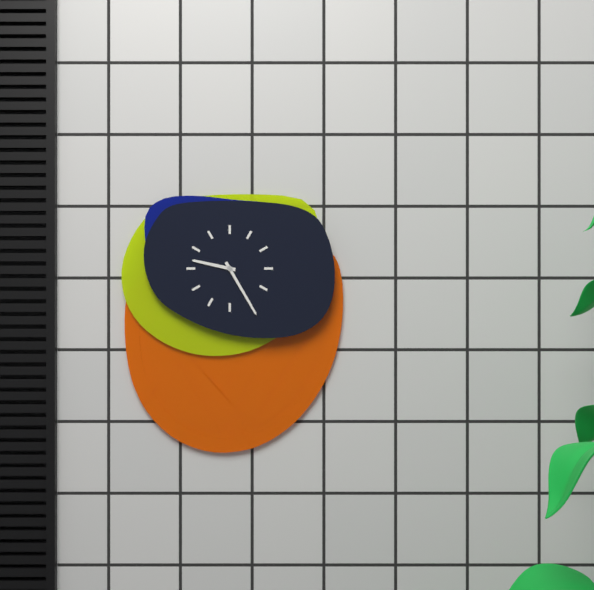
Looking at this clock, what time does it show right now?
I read 9:25
